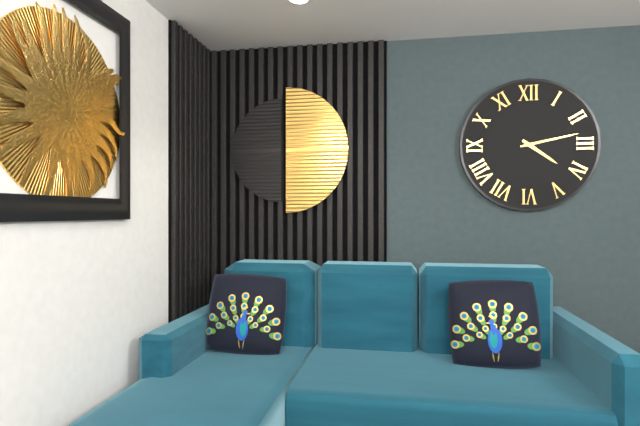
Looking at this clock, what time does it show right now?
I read 4:13
